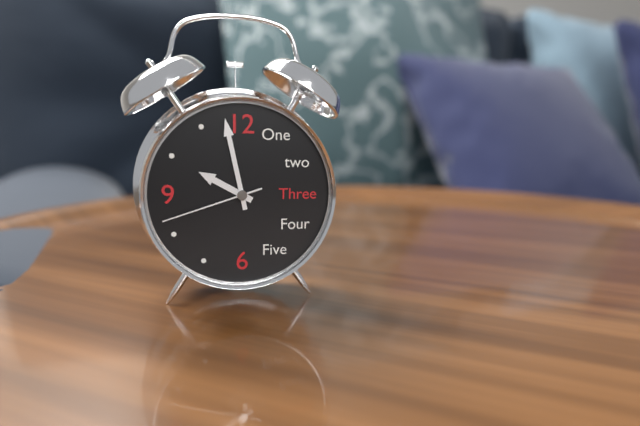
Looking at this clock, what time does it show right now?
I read 9:58:42
